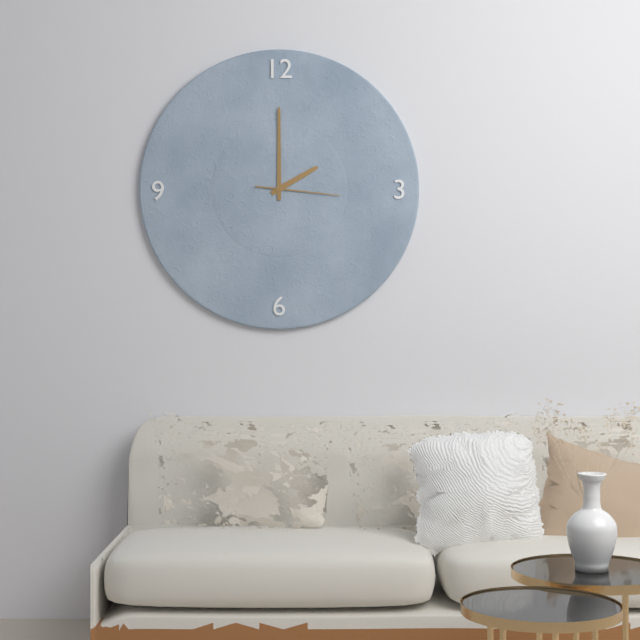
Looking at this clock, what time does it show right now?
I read 2:00:16
